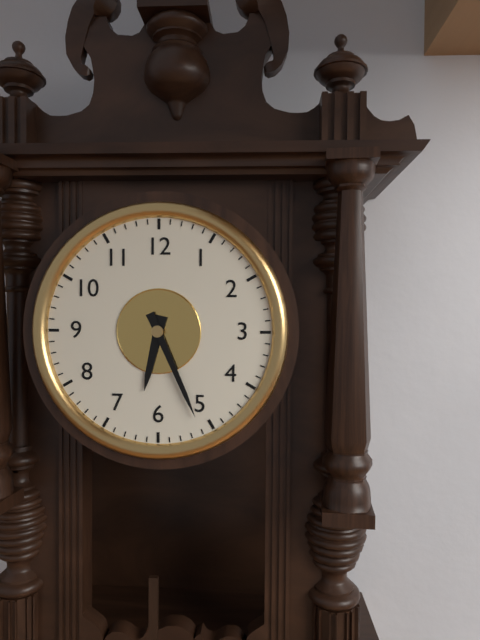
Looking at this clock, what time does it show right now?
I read 6:26
